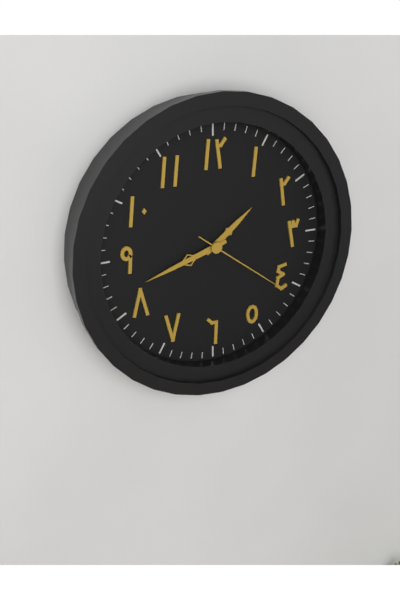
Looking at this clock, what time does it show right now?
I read 1:42:21
